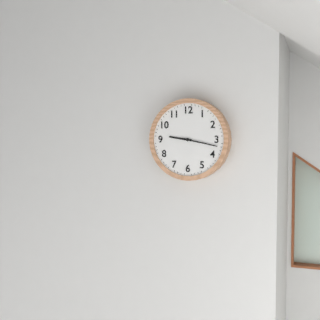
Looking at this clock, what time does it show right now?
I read 9:17
